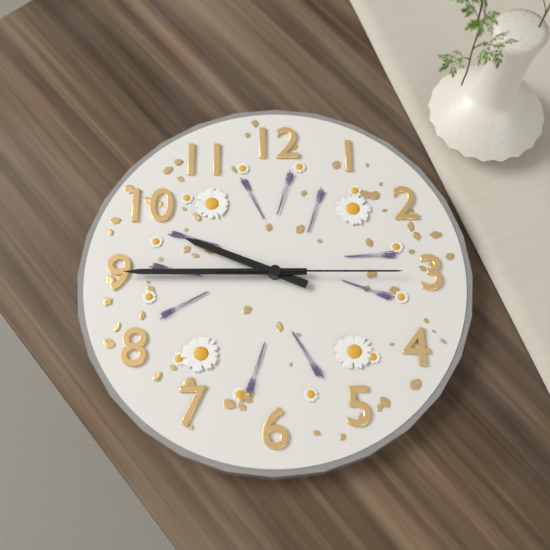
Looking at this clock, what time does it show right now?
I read 9:45:15
